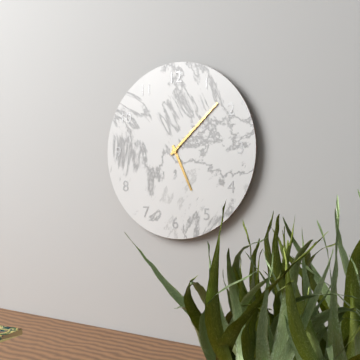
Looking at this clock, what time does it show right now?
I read 5:08
